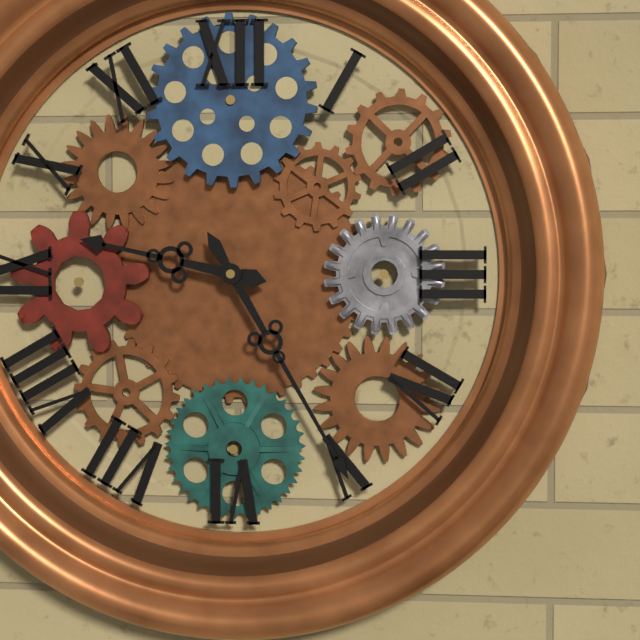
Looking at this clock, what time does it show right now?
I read 9:25
